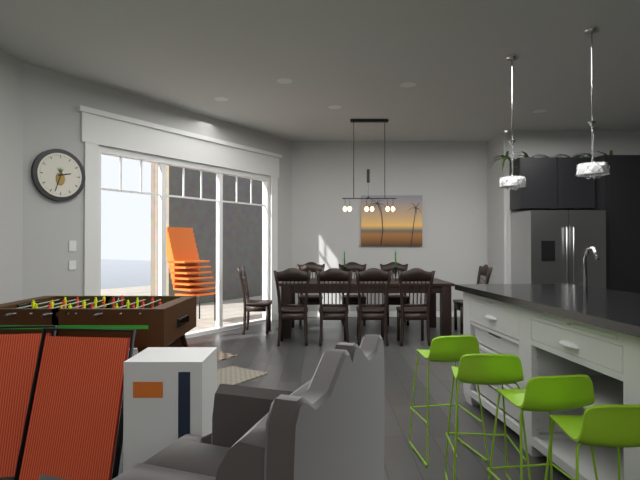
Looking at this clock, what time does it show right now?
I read 2:33
